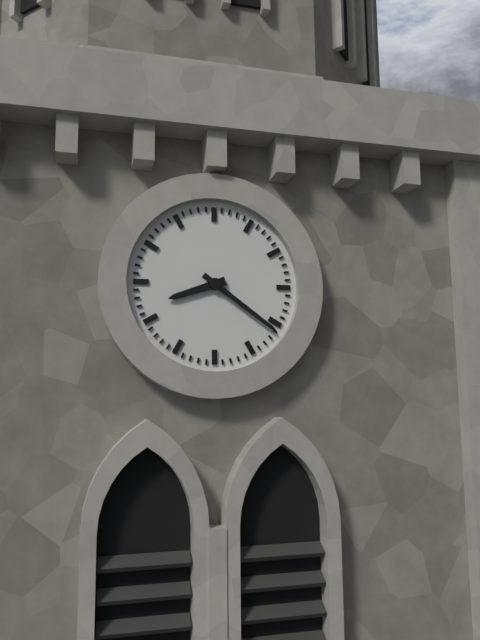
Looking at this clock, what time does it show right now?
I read 8:21
